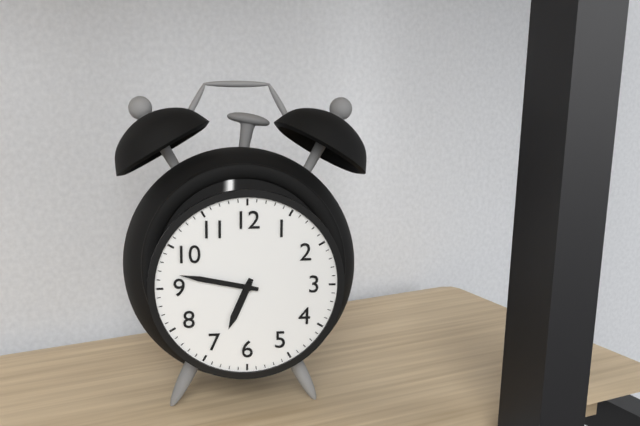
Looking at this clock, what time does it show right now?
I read 6:47
